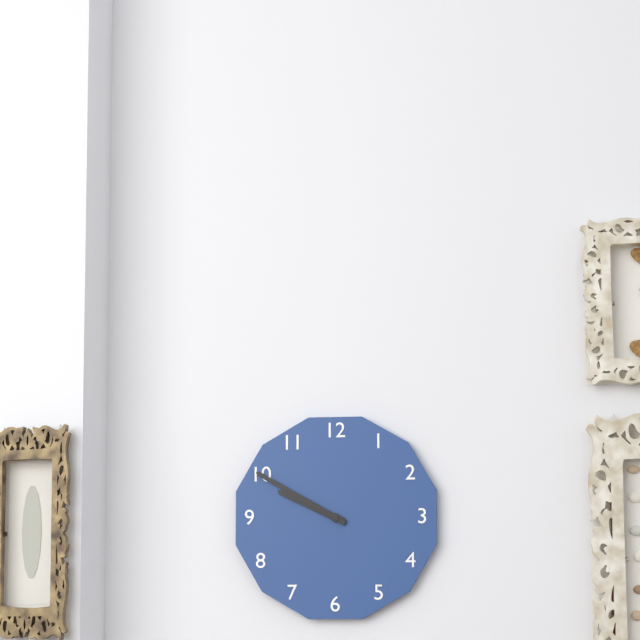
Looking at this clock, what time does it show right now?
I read 9:50
